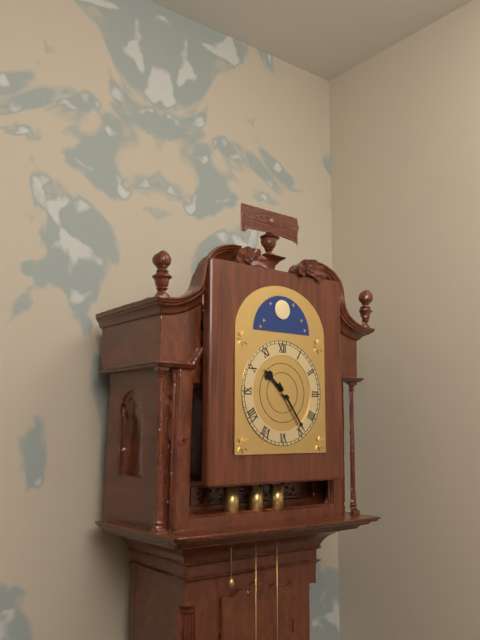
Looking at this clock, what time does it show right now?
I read 10:24
